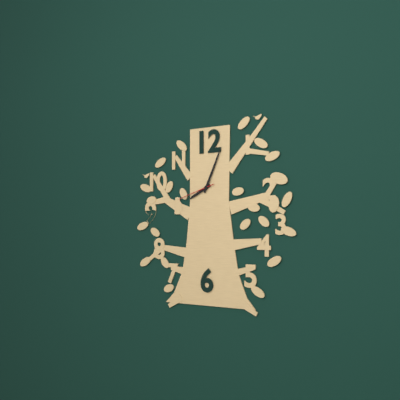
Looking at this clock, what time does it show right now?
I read 8:04
